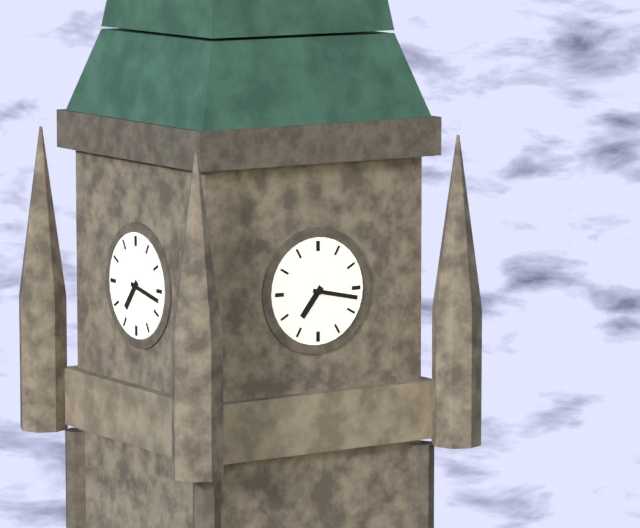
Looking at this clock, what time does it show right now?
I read 7:17
